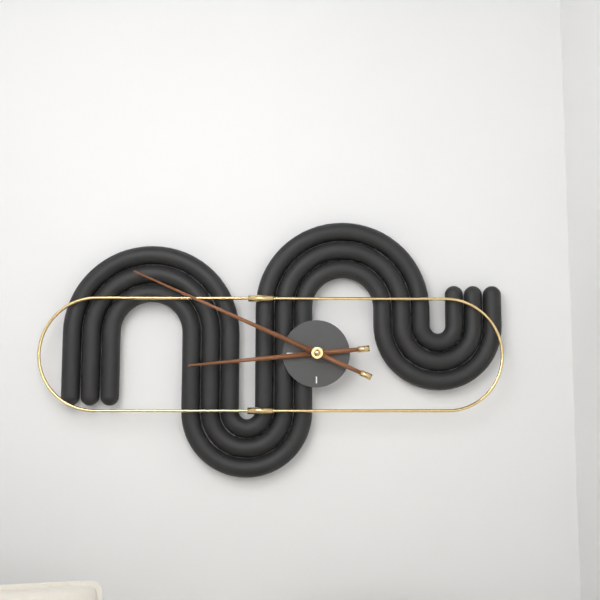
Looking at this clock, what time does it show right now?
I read 8:49
